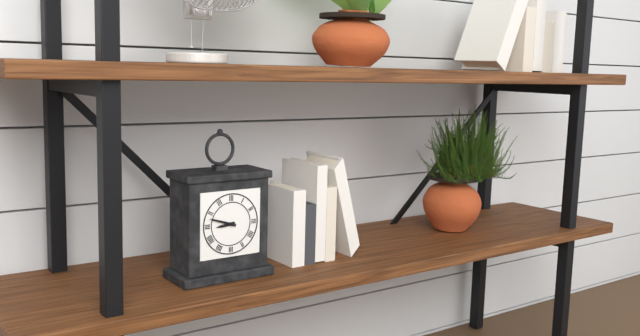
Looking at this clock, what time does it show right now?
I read 8:48
